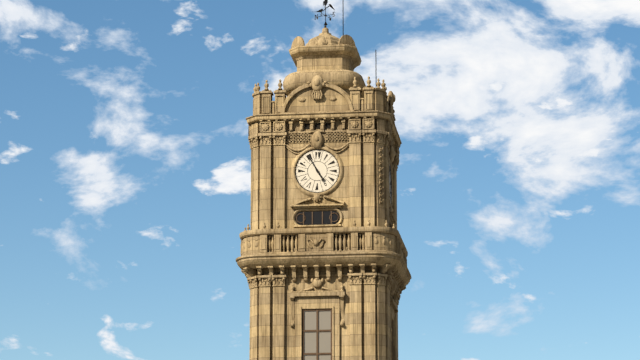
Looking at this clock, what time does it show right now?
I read 4:55
